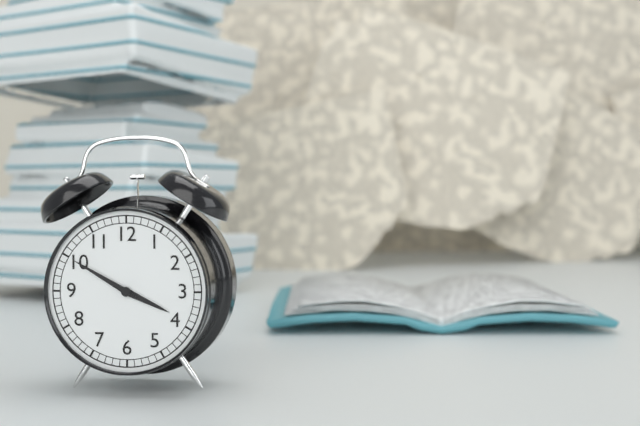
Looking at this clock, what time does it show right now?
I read 3:50
